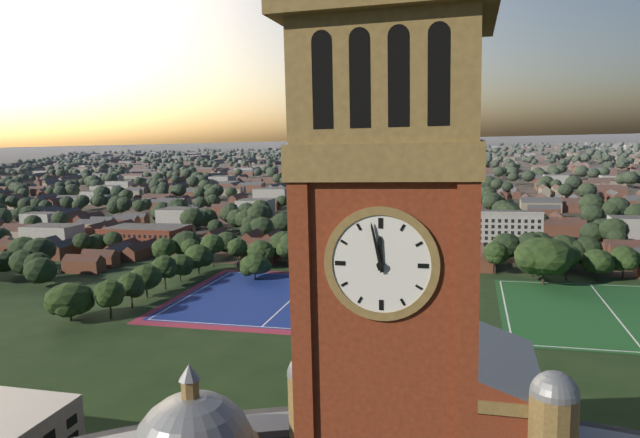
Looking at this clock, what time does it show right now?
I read 11:58
